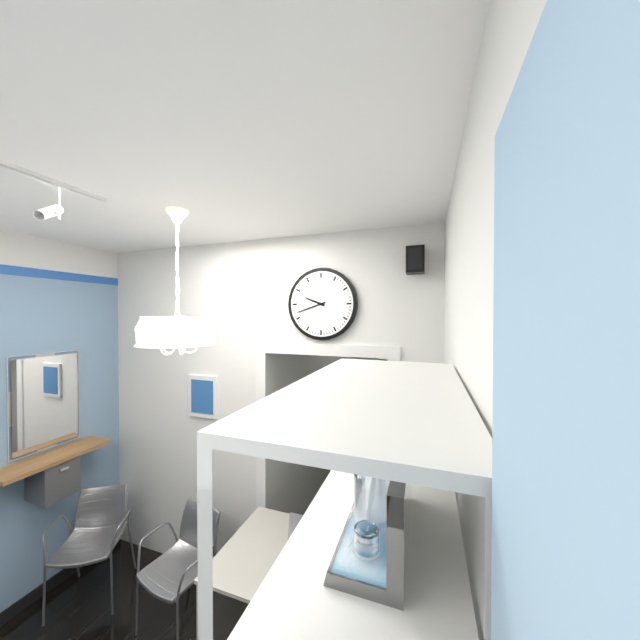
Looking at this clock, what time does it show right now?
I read 9:42
